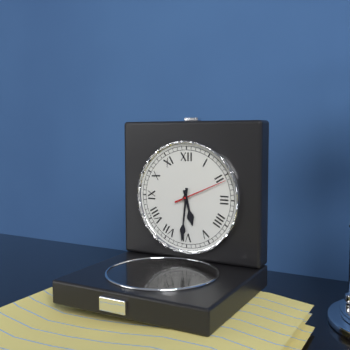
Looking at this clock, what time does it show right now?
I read 5:31:11
